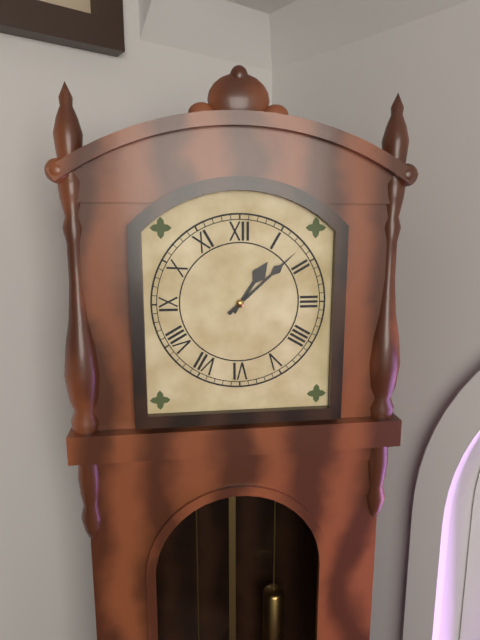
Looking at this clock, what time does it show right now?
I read 1:08
